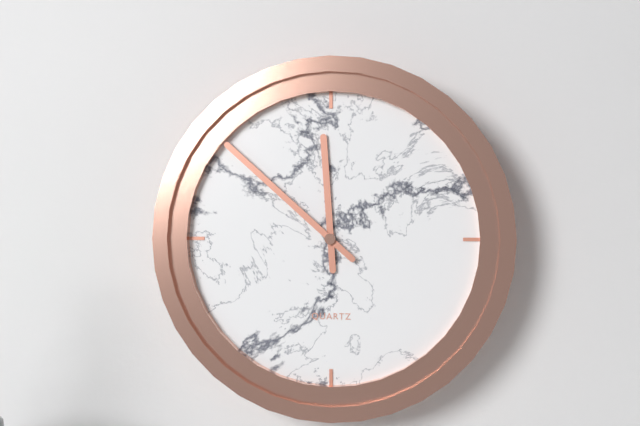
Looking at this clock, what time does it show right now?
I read 11:52
